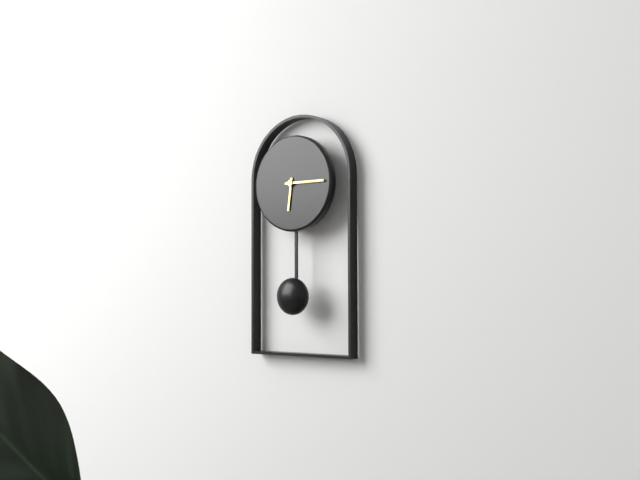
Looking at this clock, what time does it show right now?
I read 6:15
